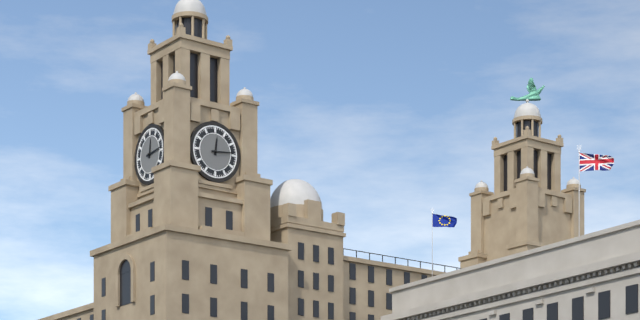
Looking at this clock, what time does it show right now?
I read 12:14
